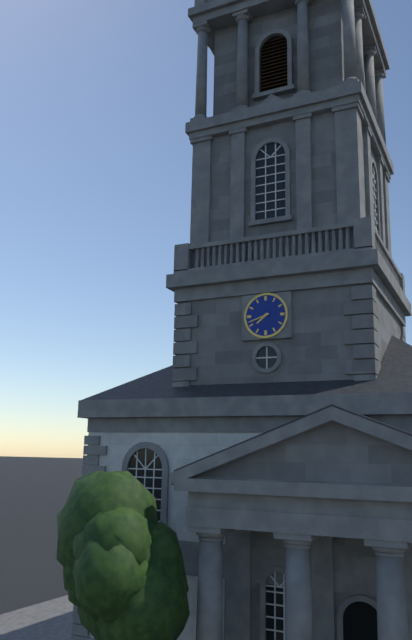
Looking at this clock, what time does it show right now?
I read 7:42
